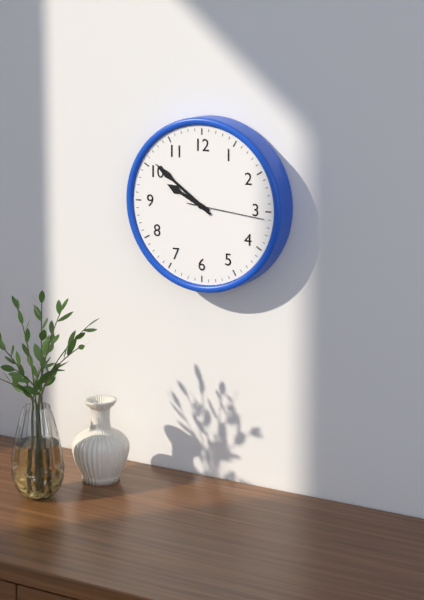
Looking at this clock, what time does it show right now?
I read 9:51:16
